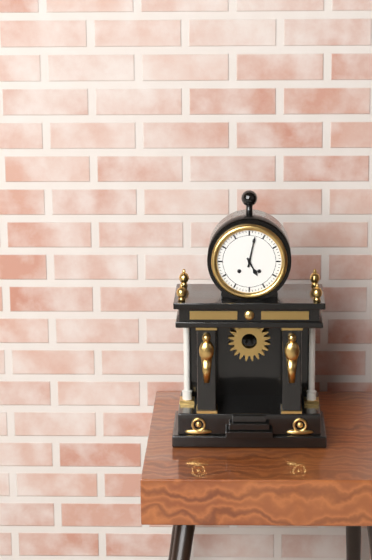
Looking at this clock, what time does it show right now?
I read 5:02
